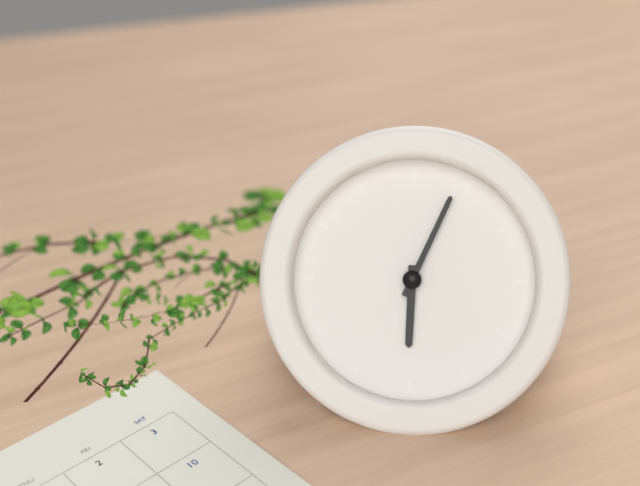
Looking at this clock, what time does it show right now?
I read 6:04
